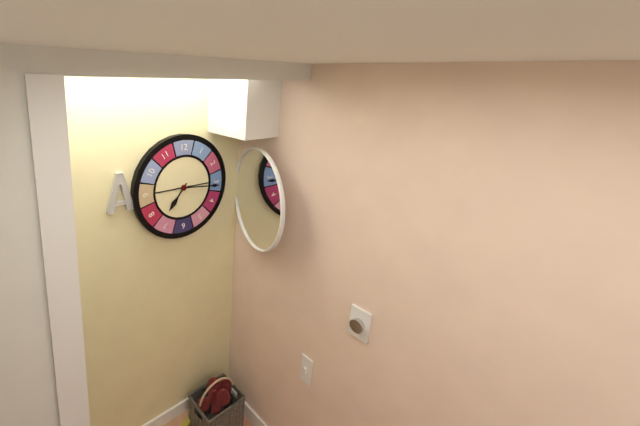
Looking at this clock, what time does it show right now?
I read 7:16
